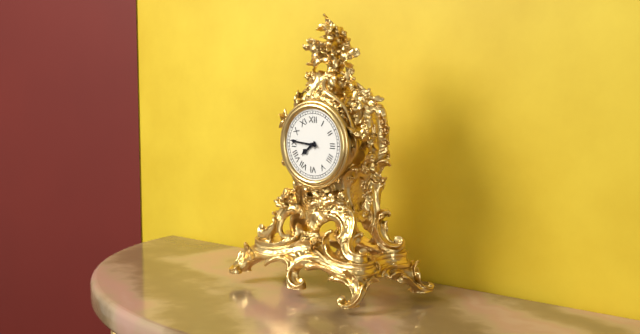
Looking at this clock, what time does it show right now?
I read 7:46
